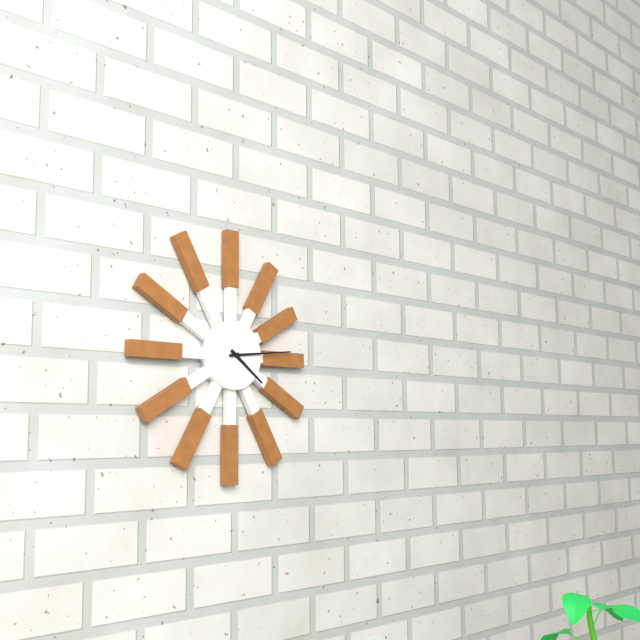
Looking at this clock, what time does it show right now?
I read 4:14
